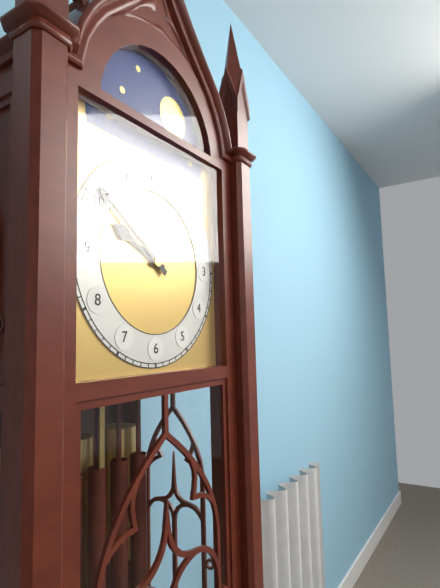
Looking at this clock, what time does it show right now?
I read 9:51
